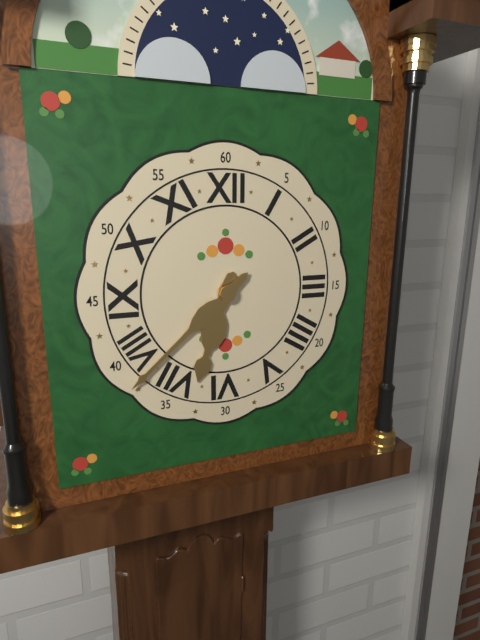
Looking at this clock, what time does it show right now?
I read 6:38
